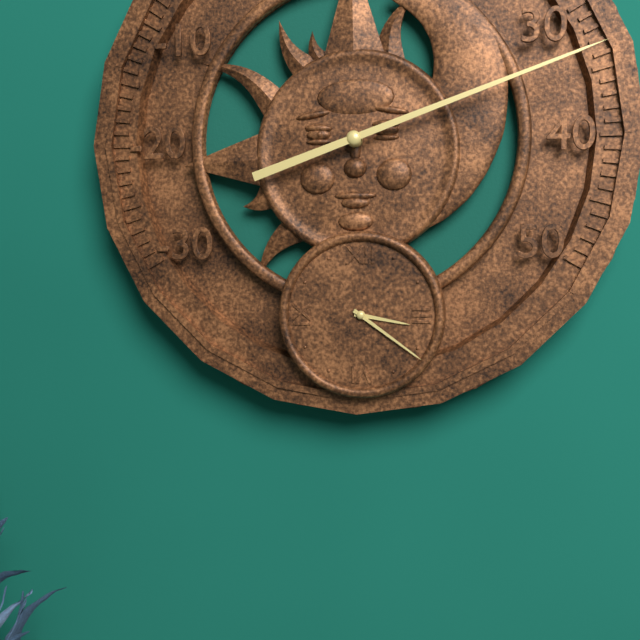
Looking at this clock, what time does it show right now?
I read 3:21
